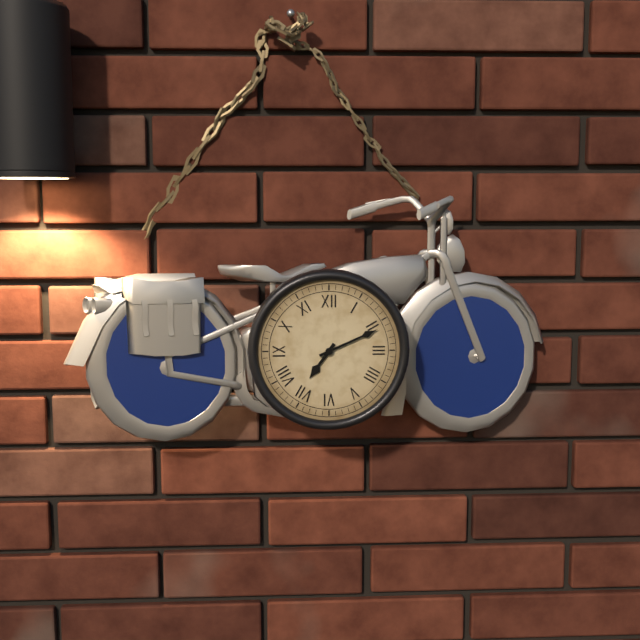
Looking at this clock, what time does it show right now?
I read 7:11
